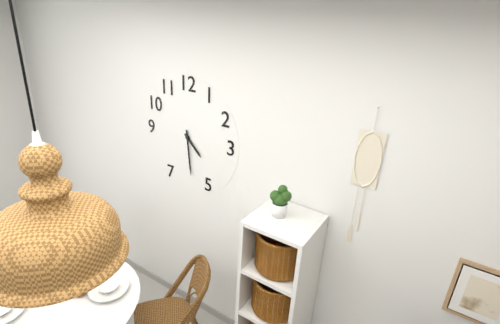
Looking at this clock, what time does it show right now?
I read 4:29
